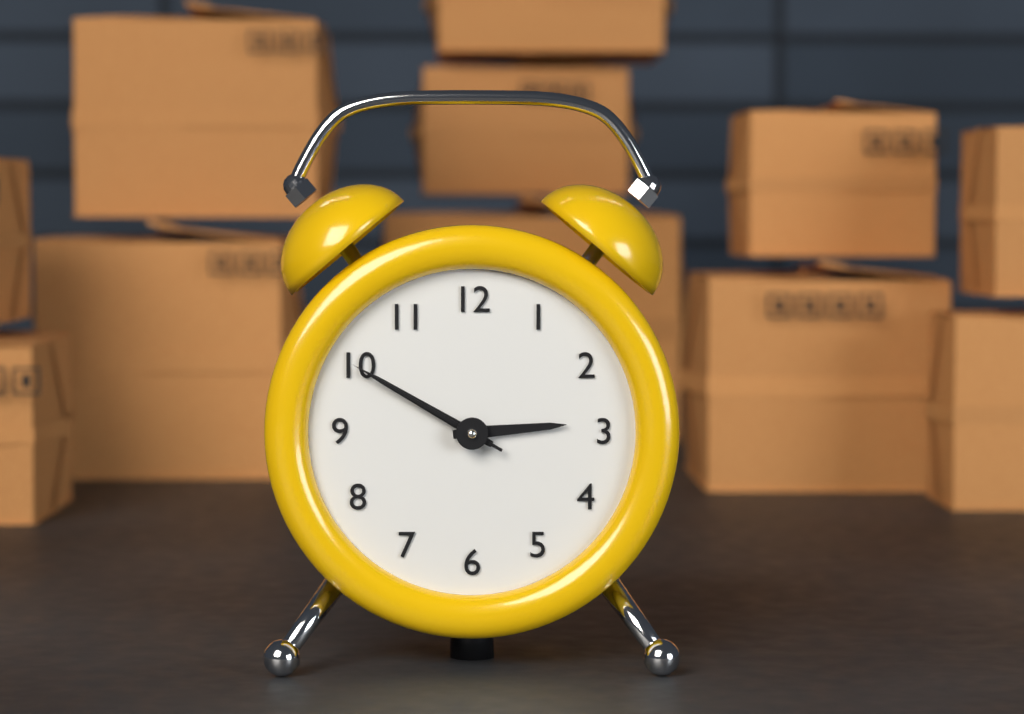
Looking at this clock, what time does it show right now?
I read 2:50:50
